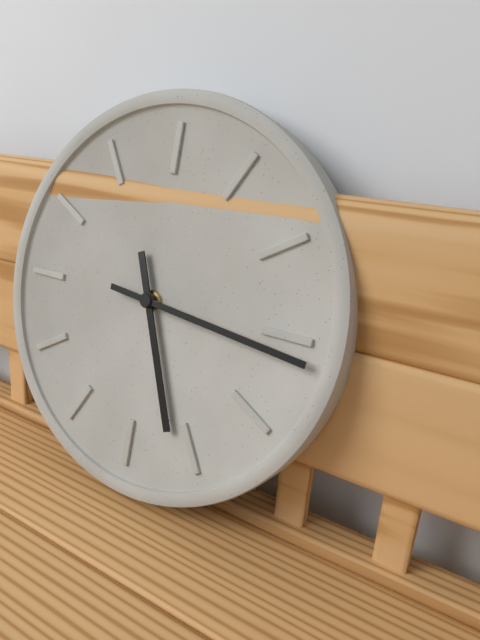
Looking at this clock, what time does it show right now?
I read 5:16
